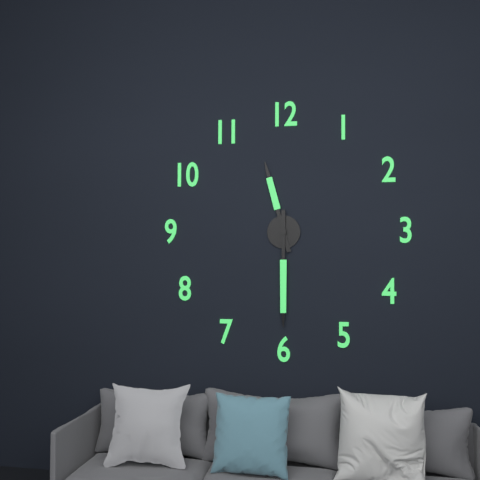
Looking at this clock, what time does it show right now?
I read 11:30
